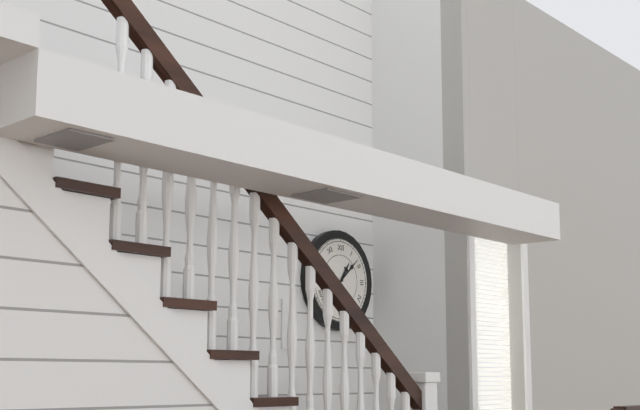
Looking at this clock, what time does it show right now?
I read 1:08
